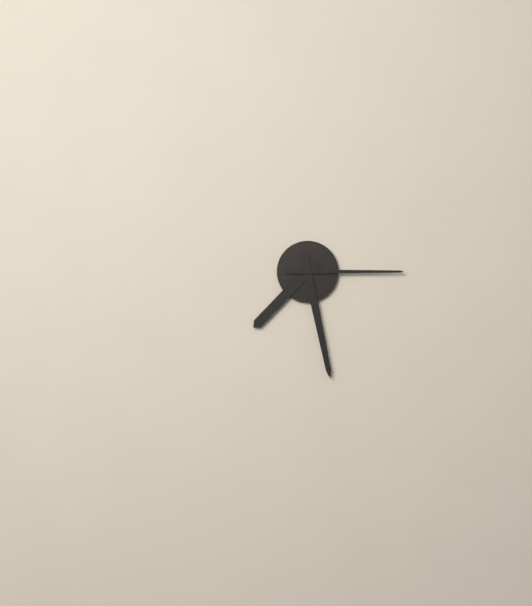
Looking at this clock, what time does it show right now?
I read 7:28:15
